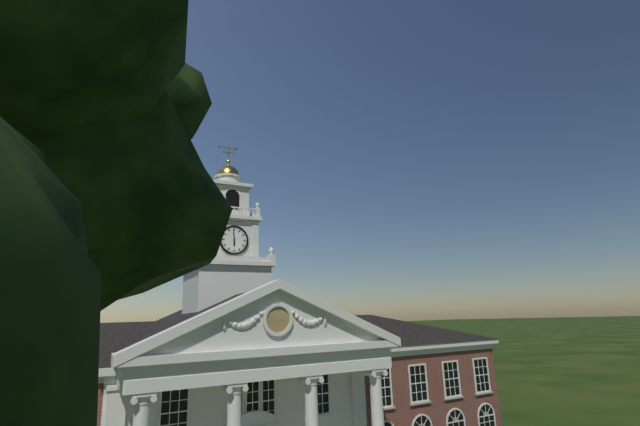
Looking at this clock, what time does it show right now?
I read 5:59
